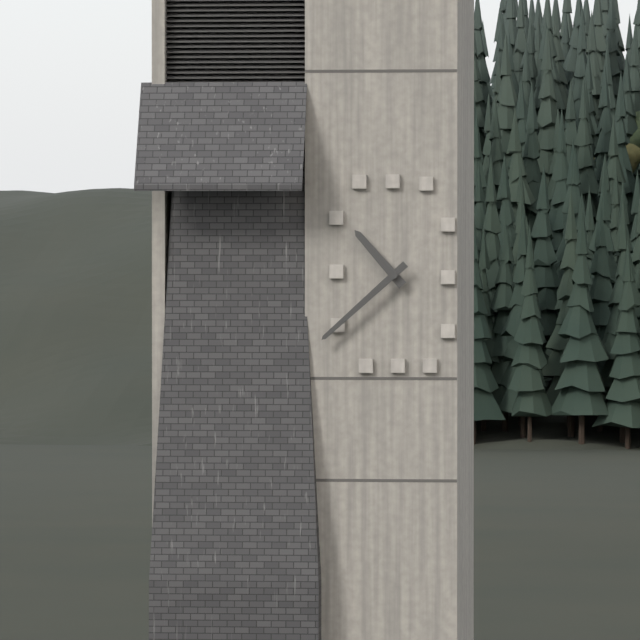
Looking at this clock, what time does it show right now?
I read 10:38
